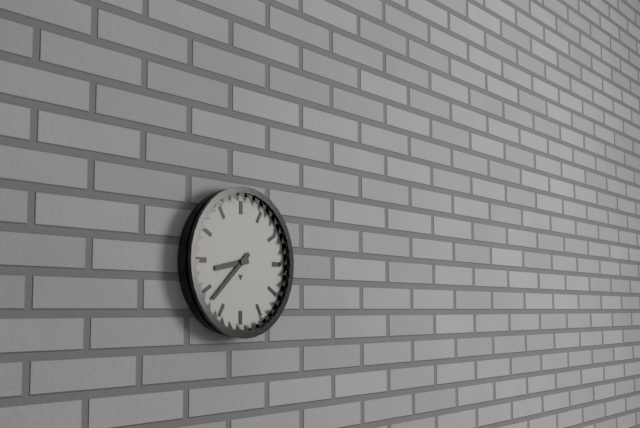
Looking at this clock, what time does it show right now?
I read 8:38
